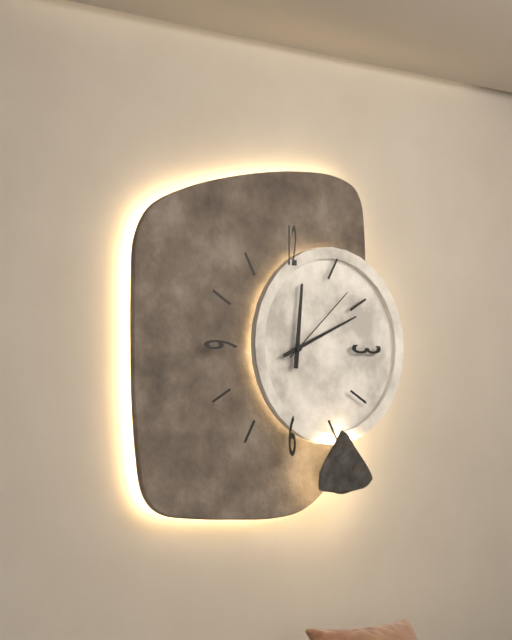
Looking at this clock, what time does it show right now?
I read 12:11:08
